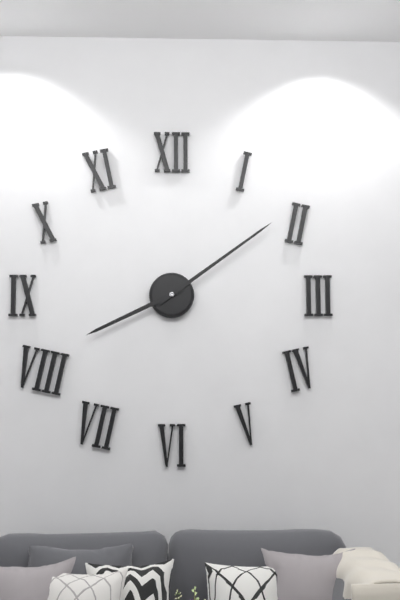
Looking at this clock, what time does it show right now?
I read 8:09
